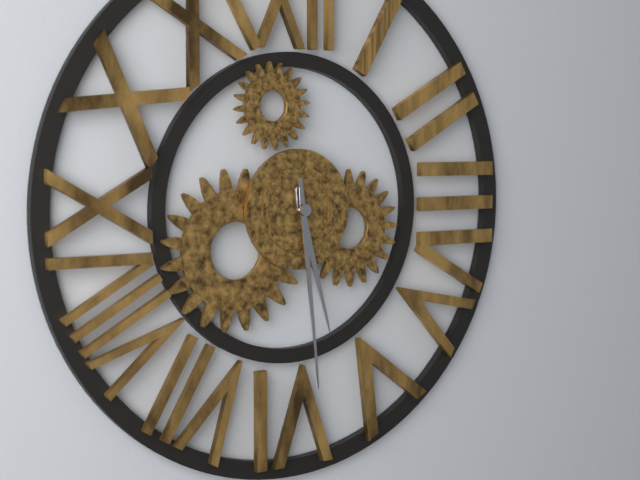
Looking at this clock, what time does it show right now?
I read 5:29
